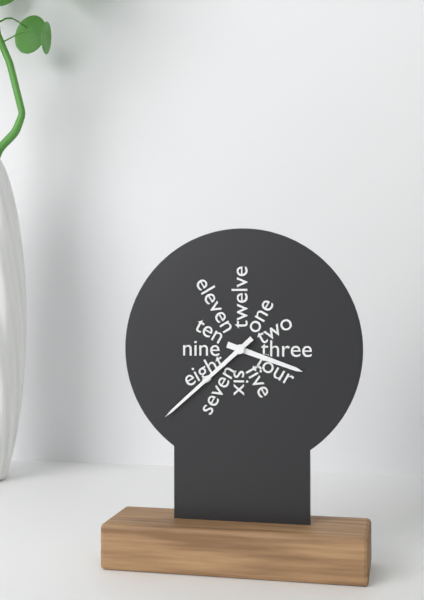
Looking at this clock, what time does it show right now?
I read 3:38
